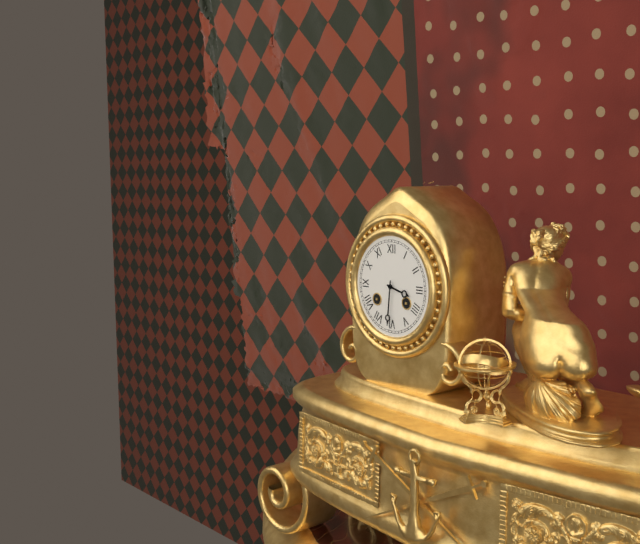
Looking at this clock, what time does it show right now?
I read 3:31
